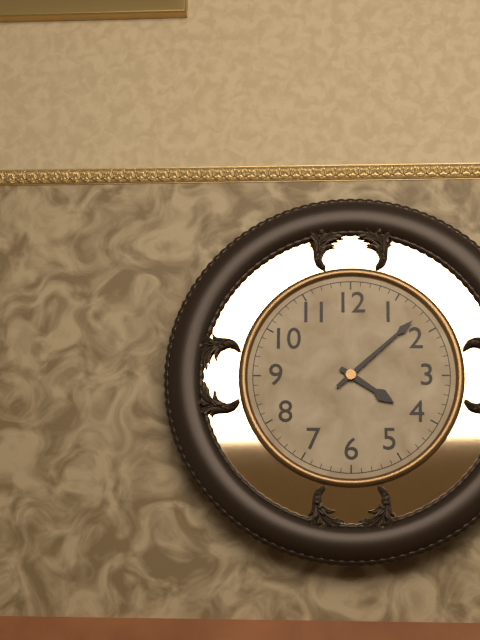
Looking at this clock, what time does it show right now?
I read 4:08
